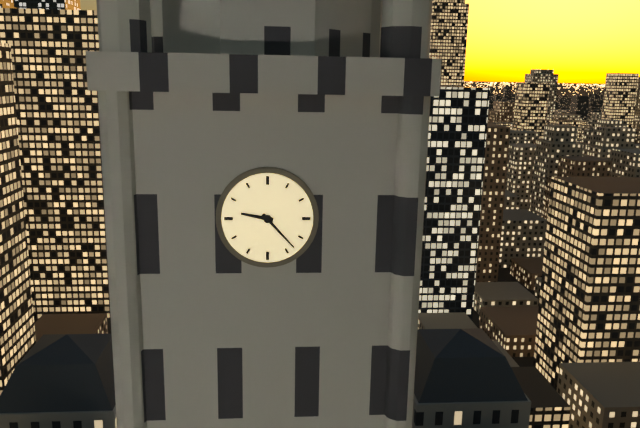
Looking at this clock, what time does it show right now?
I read 9:23
